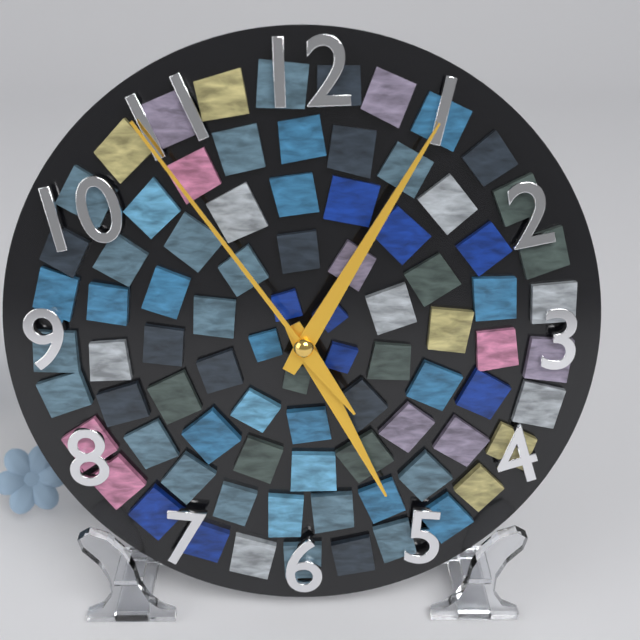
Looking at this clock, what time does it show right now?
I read 5:05:54
